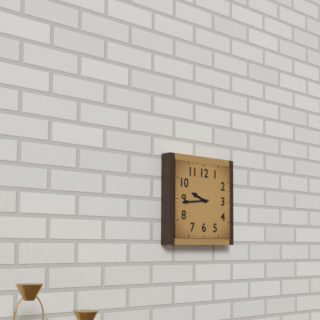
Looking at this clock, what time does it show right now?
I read 9:44
